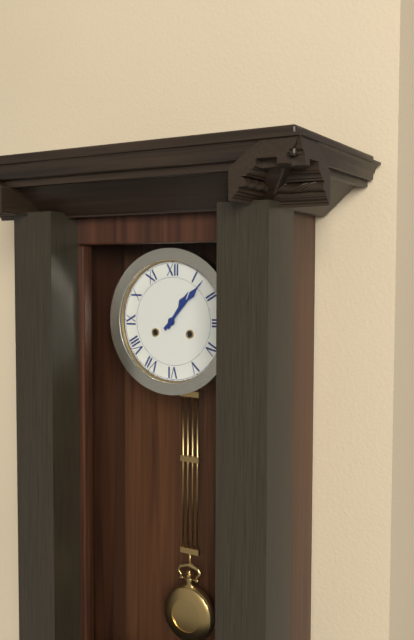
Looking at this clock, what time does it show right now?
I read 1:07
